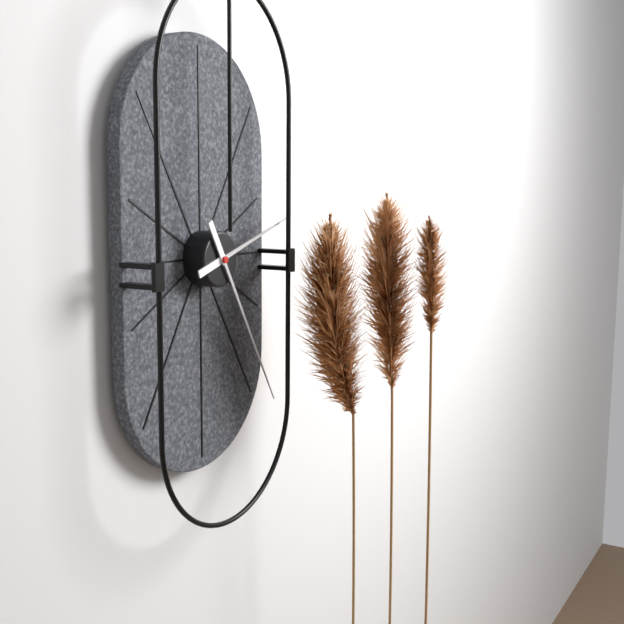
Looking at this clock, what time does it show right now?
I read 2:25
